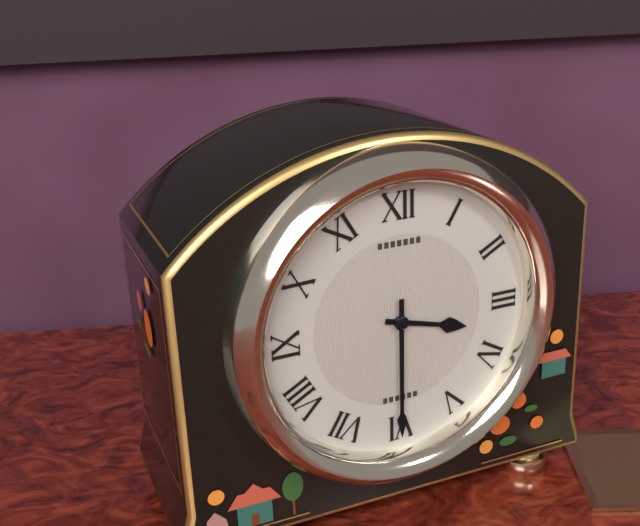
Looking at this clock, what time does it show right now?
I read 3:30
